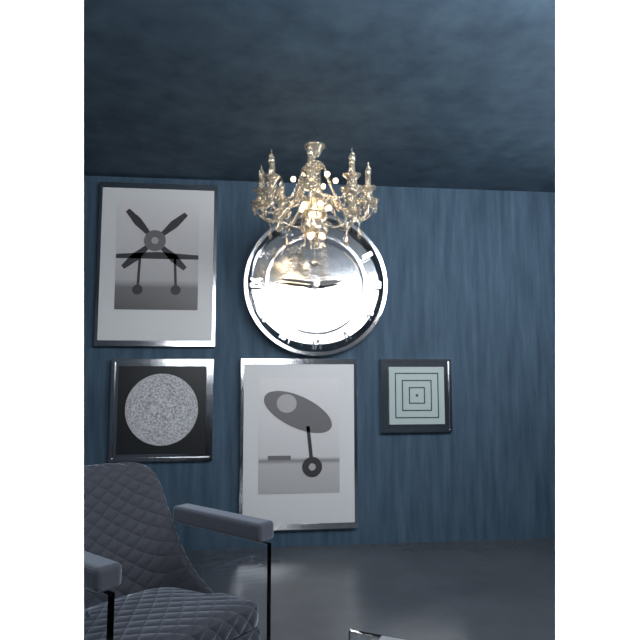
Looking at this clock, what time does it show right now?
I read 2:46
